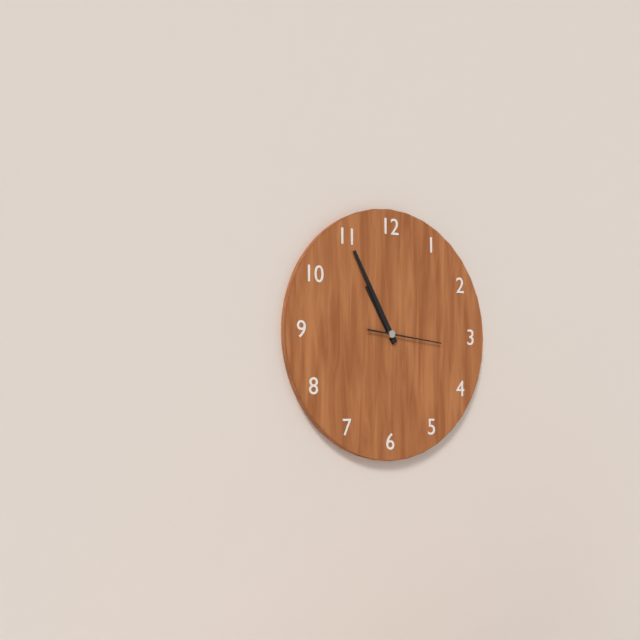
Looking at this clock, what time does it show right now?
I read 10:55:16
